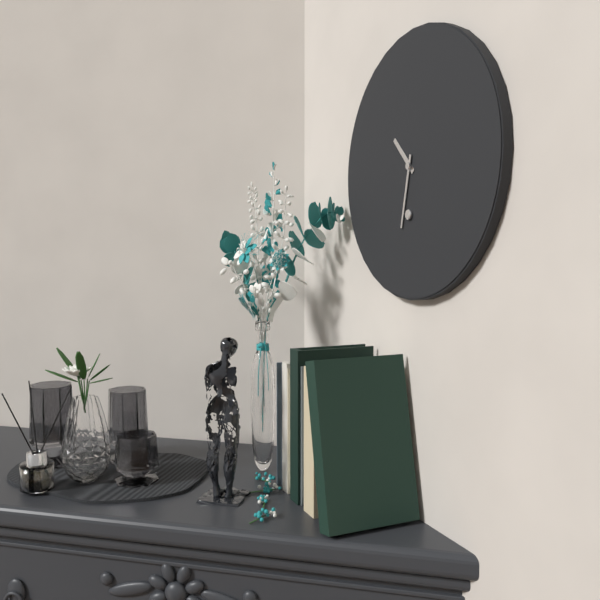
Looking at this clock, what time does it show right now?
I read 10:32
